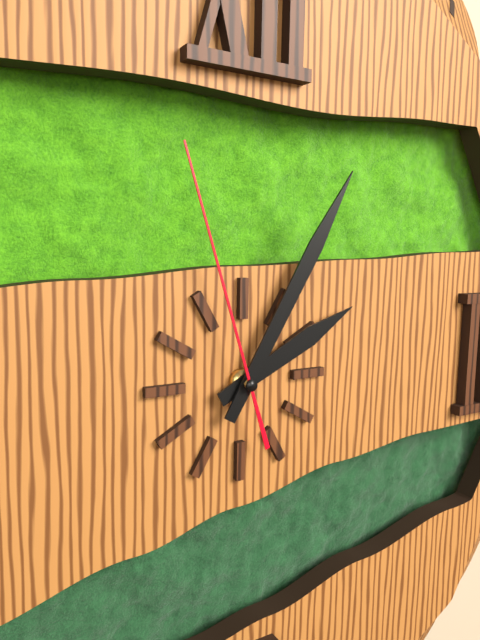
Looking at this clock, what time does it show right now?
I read 2:05:57
